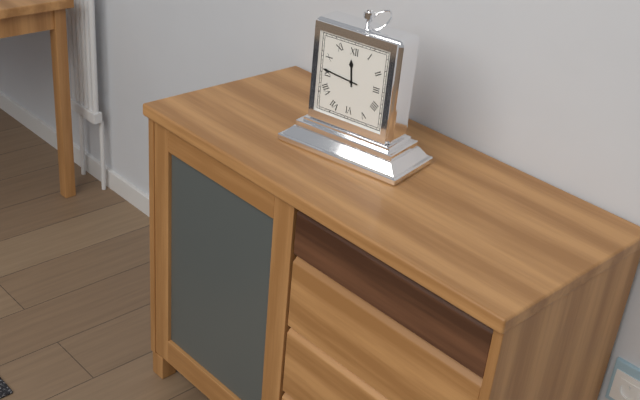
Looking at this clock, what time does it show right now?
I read 11:46
